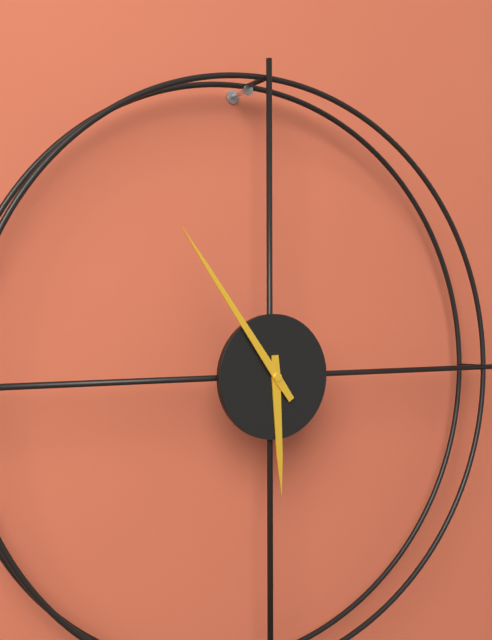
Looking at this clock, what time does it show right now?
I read 5:54
